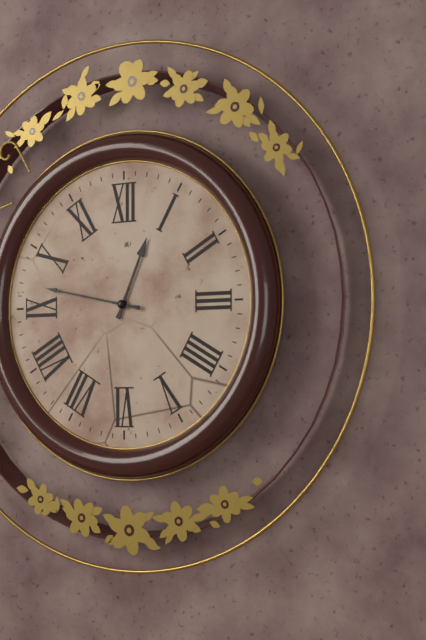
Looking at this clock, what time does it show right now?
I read 12:47
